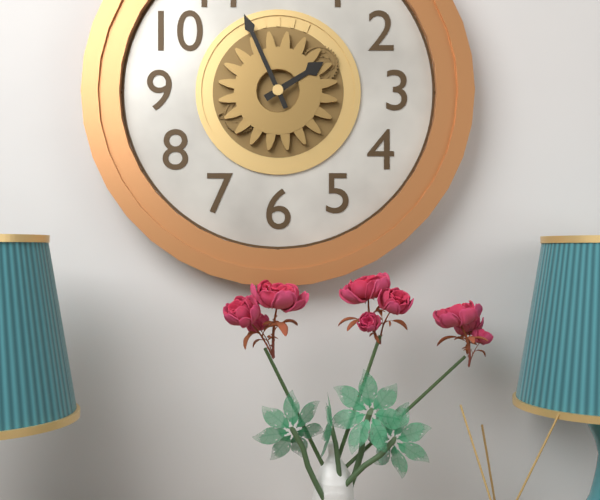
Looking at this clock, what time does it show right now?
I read 1:56
